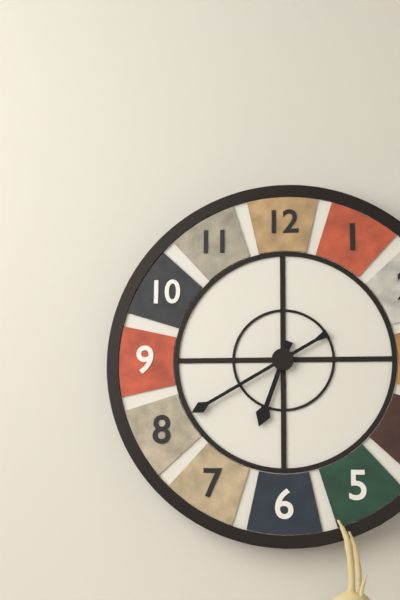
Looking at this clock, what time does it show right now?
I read 6:40
